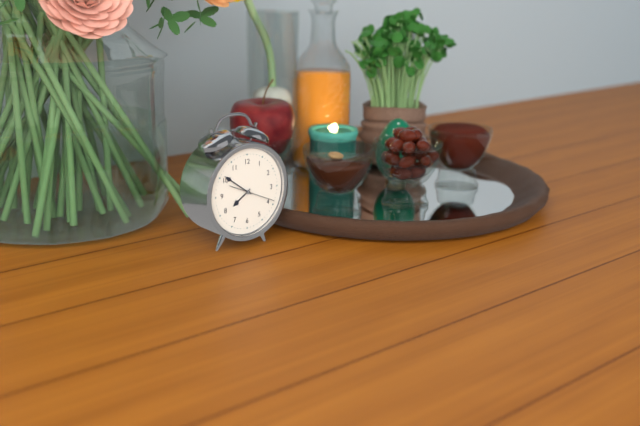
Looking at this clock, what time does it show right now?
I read 7:51
